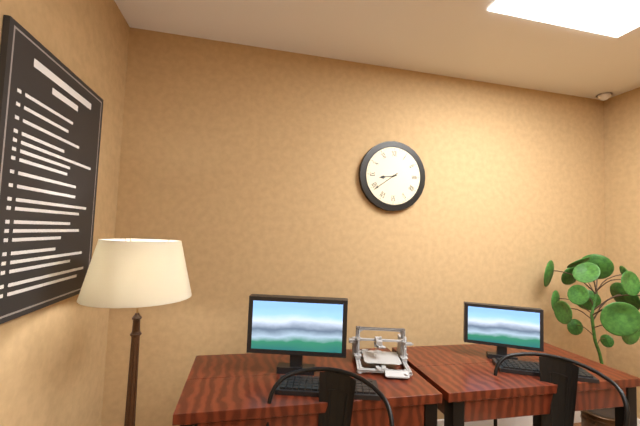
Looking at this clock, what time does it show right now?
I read 8:39
